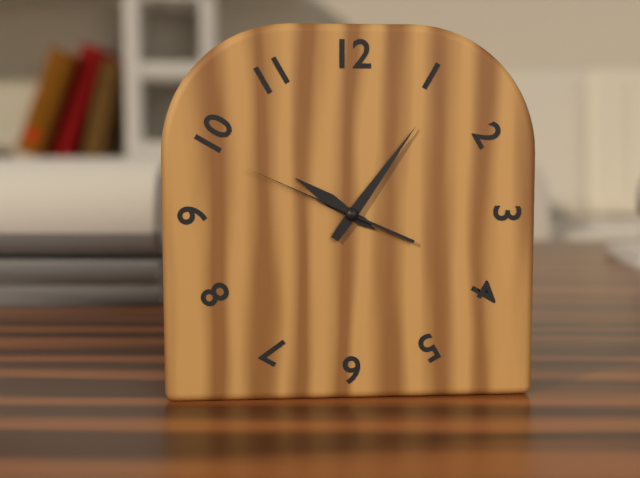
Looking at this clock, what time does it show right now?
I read 10:06:49
